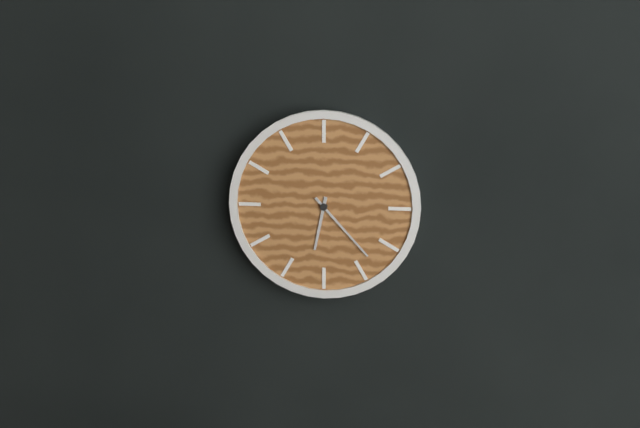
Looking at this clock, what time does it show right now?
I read 6:23
